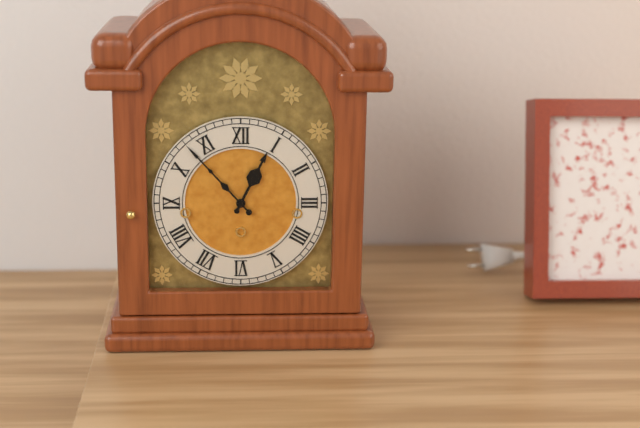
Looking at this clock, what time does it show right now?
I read 12:53
